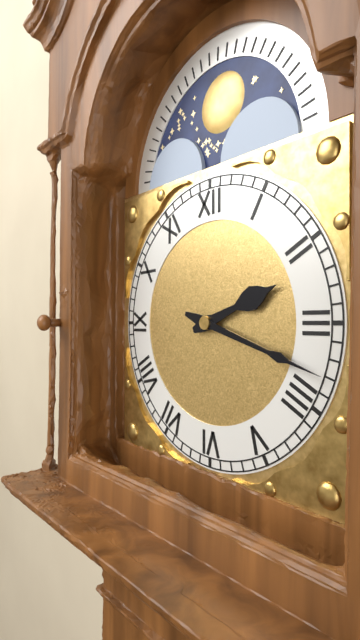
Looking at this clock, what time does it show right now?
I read 2:18
